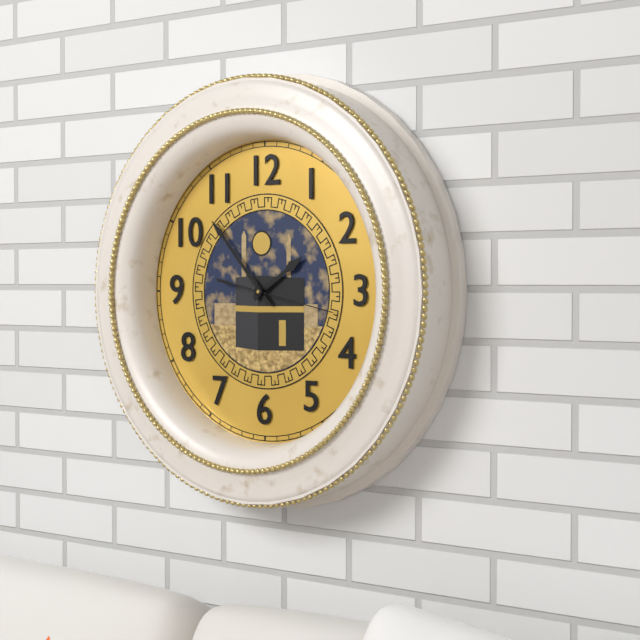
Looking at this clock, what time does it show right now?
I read 1:53:17
